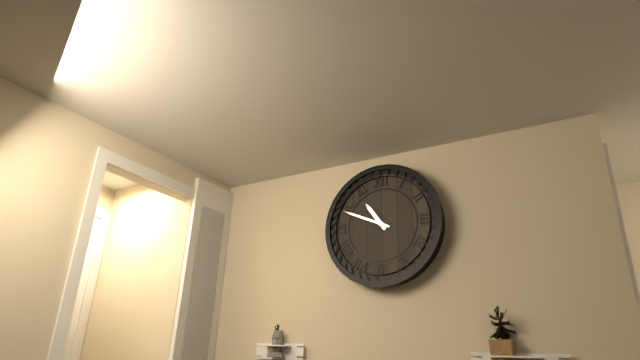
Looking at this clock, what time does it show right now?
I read 10:49
